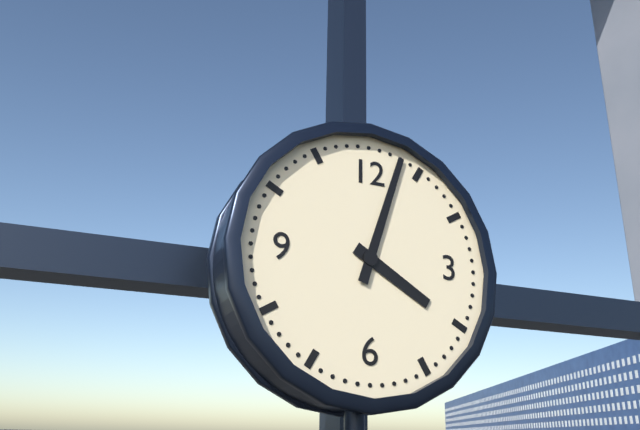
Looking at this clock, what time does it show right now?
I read 4:03
